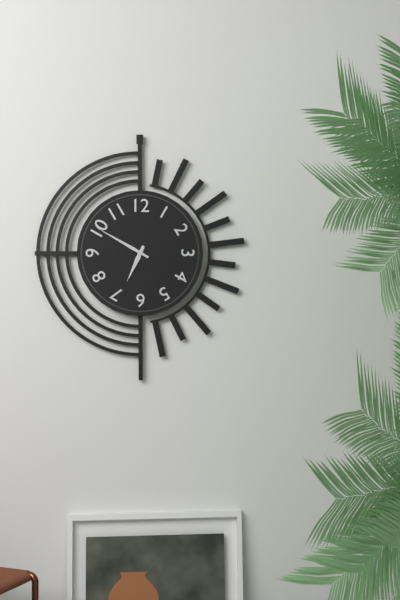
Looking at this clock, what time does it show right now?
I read 6:50
